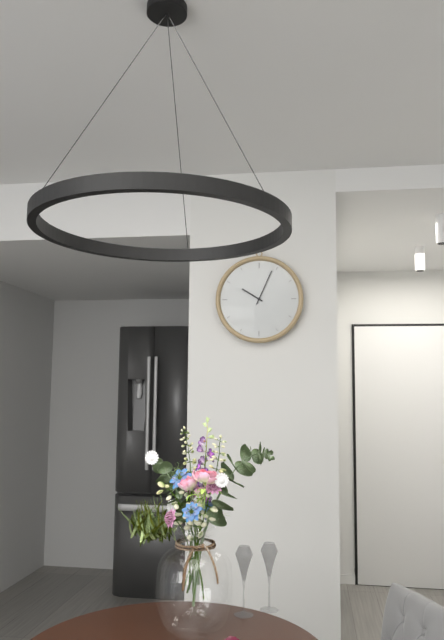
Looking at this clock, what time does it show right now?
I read 10:04
